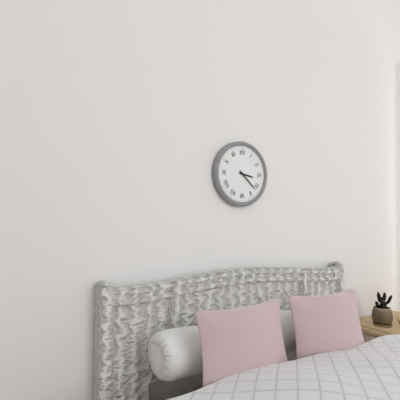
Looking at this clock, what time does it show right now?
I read 3:22
